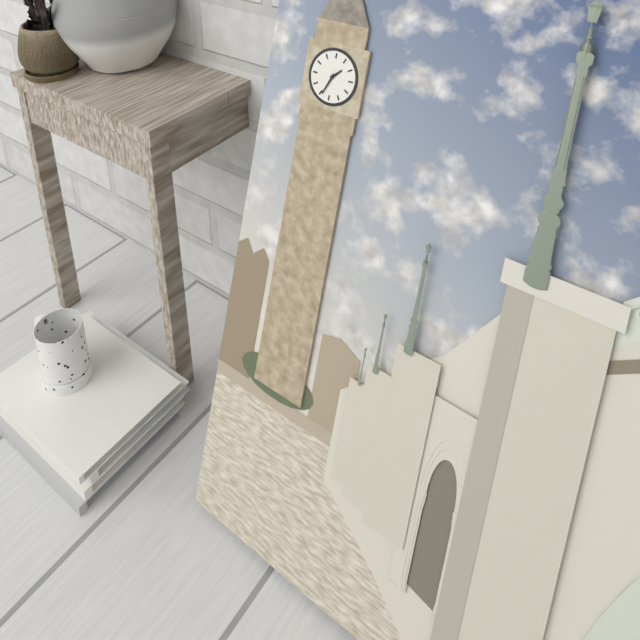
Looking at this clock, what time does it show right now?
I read 1:34
